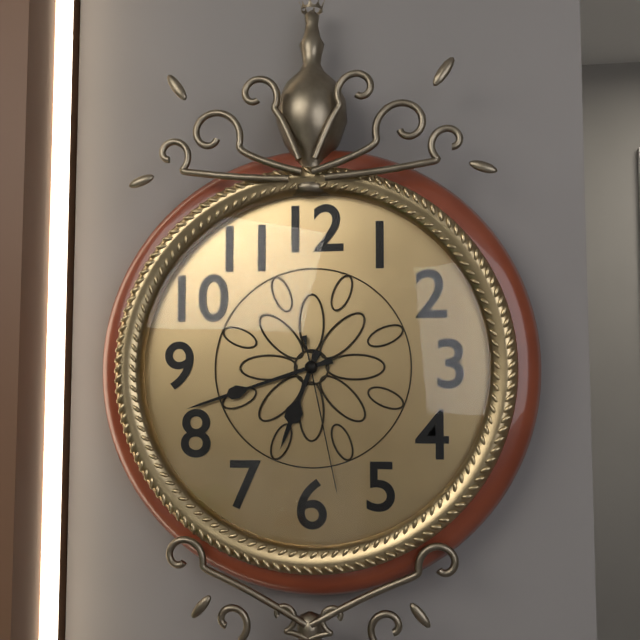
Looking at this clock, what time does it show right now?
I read 6:42:28
